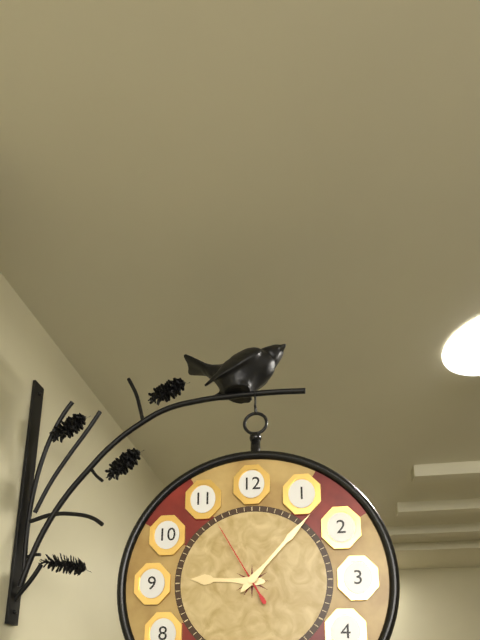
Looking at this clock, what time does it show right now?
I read 9:07:55
